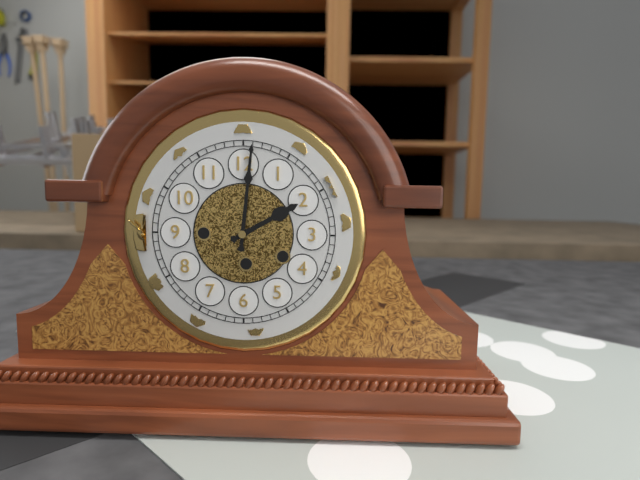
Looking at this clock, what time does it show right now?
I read 2:01
